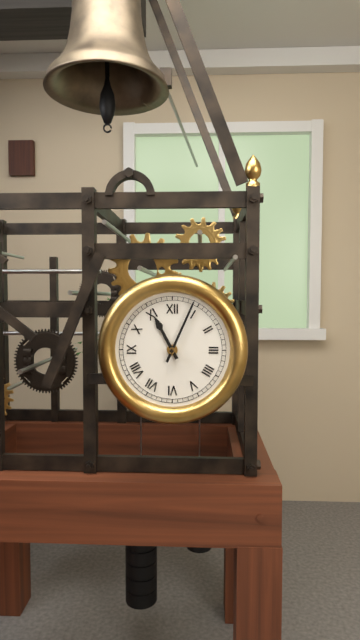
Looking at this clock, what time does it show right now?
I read 11:04
